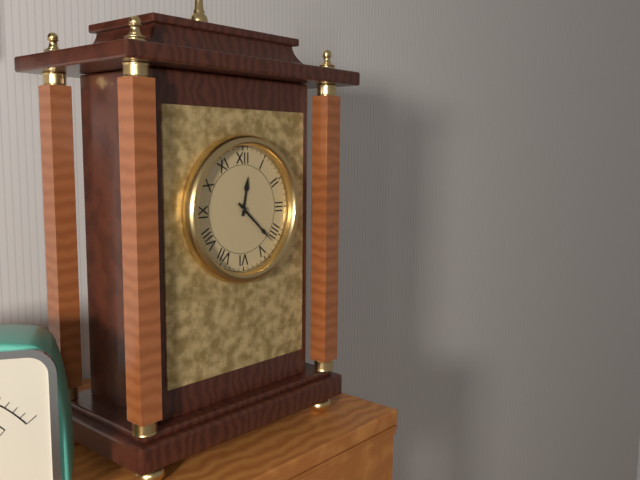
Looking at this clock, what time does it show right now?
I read 12:22
